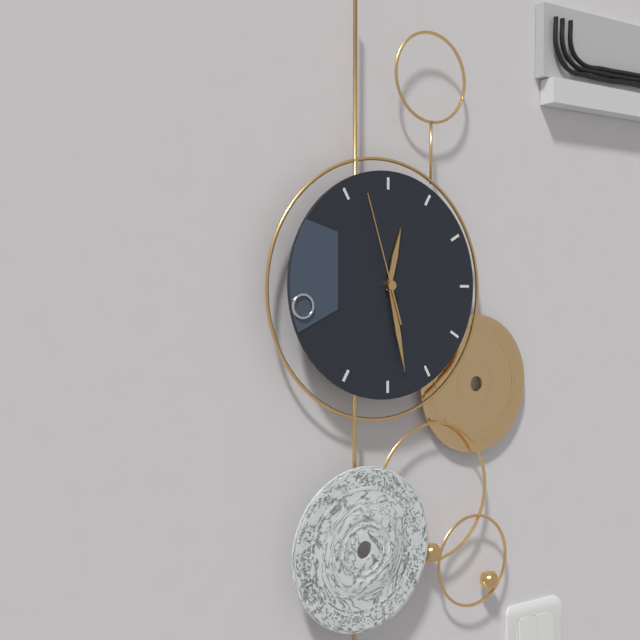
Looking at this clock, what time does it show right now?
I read 12:28:57
